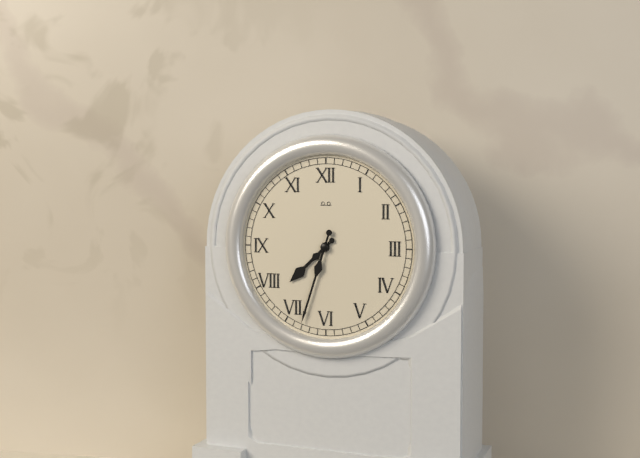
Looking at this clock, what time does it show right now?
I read 7:33
